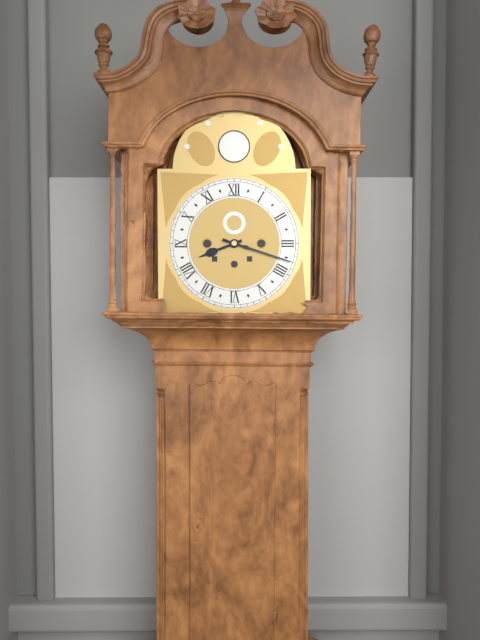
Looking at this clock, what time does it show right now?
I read 8:18
